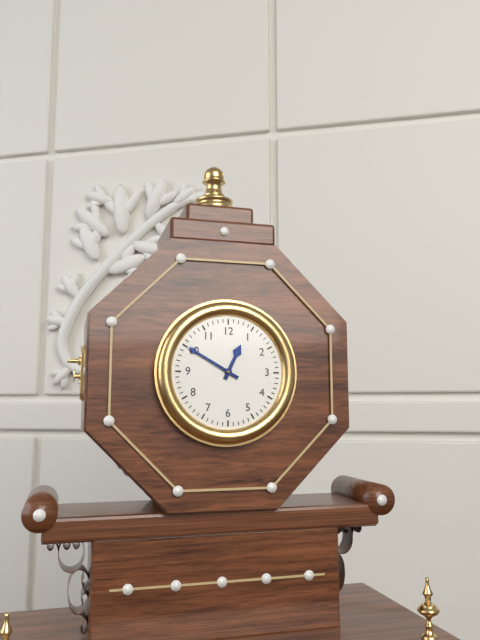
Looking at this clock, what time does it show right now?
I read 12:50
